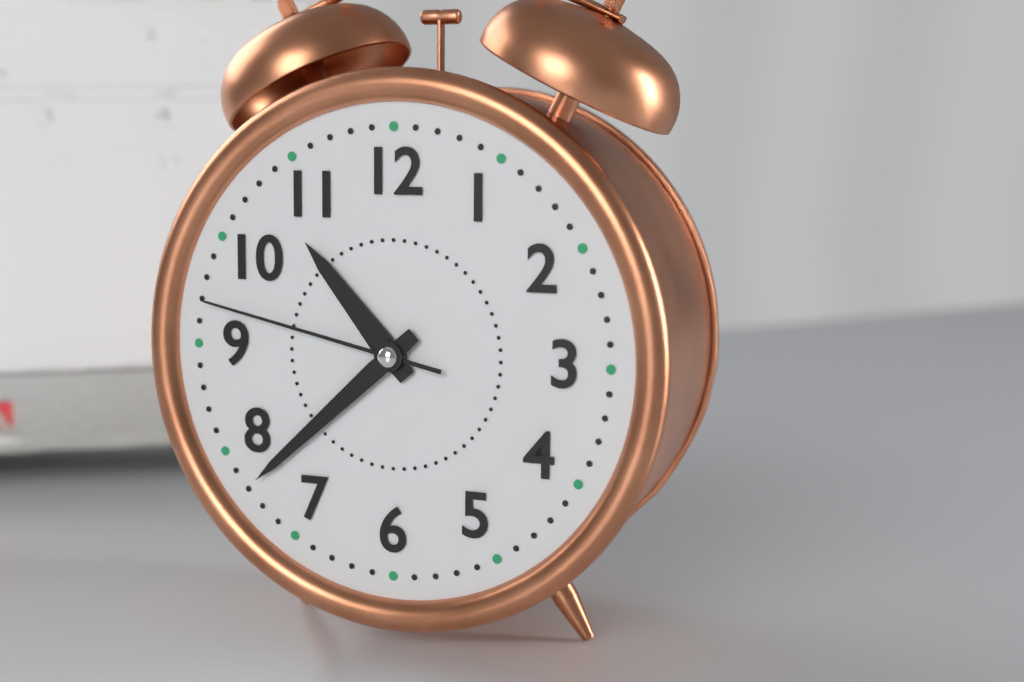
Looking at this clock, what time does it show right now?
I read 10:38:47
